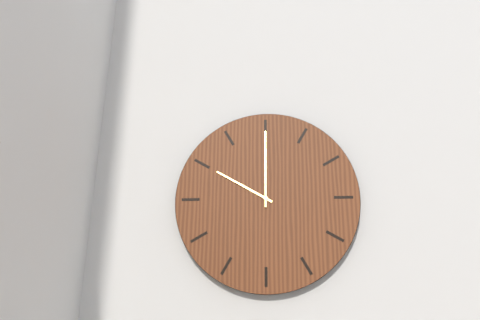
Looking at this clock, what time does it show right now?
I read 10:00
